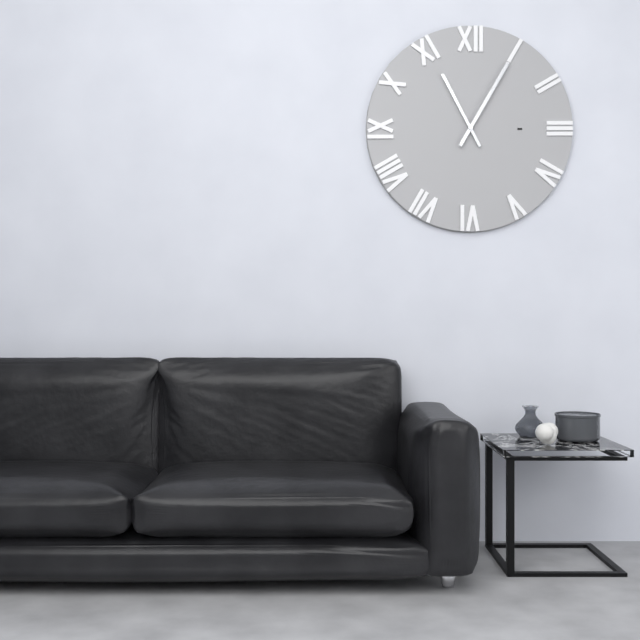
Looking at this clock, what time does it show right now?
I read 11:05
